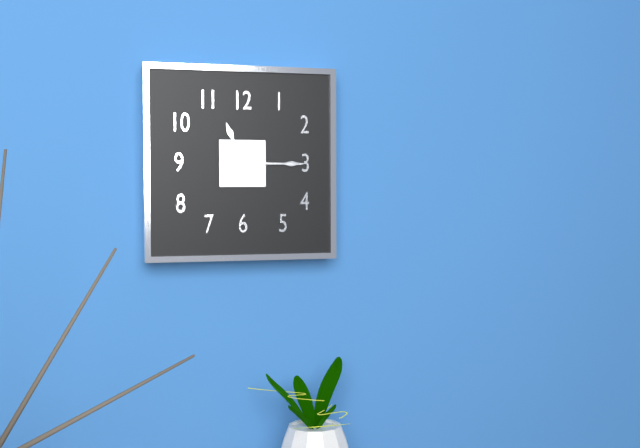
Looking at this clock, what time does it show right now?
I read 11:15
